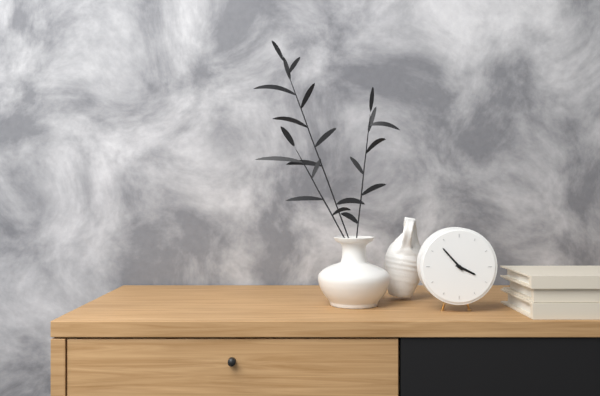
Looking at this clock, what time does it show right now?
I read 3:53
